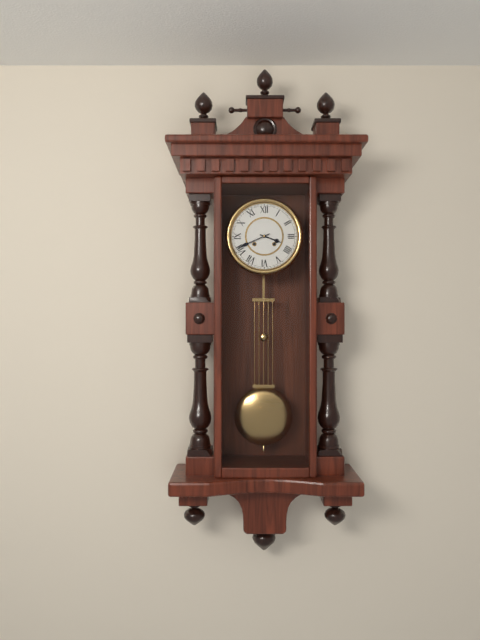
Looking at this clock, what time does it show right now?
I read 3:41
